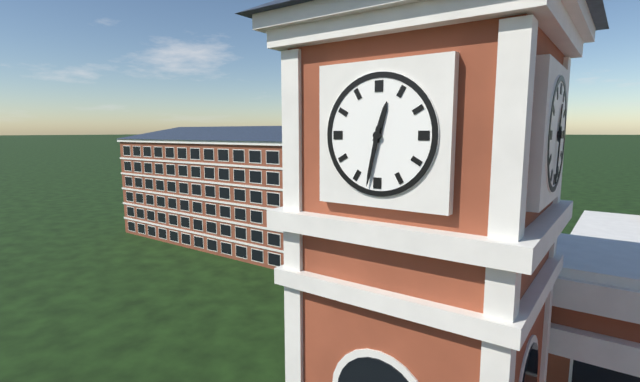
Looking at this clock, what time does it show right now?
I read 12:32
